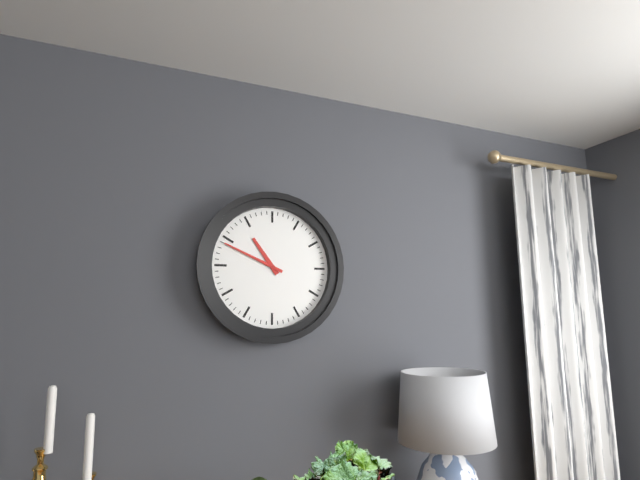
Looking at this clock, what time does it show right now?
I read 10:49
